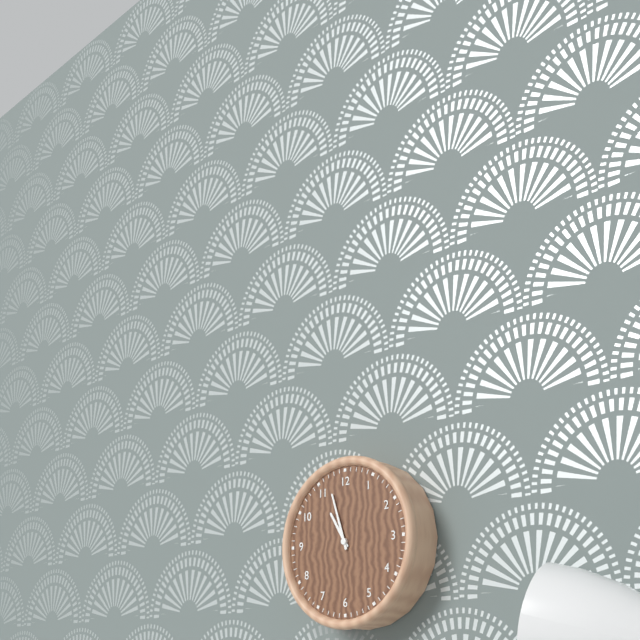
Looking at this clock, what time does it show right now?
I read 10:57
